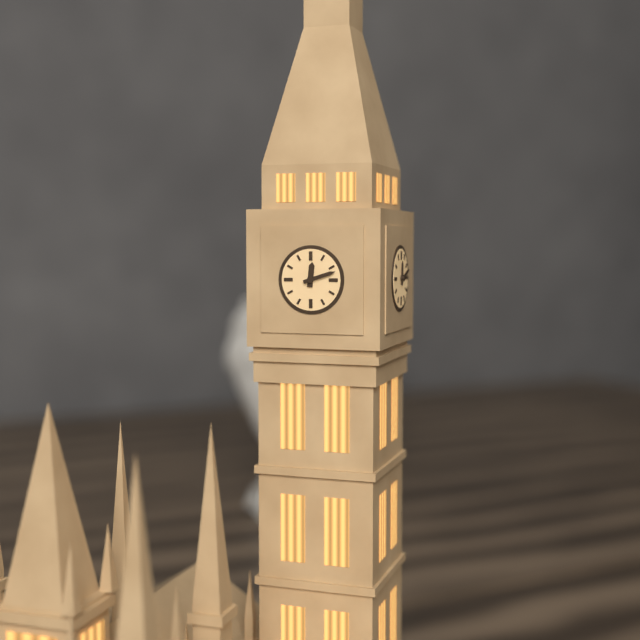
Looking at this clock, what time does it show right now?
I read 12:12
